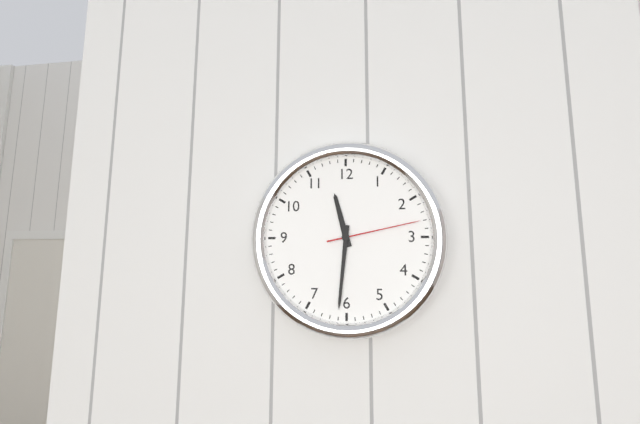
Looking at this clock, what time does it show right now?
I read 11:31:13
